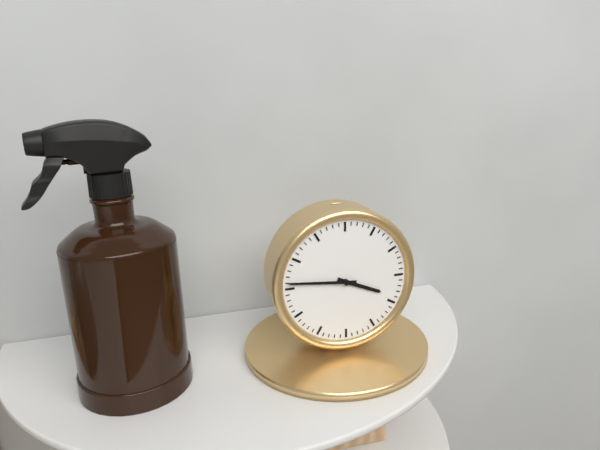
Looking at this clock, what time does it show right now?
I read 3:46
